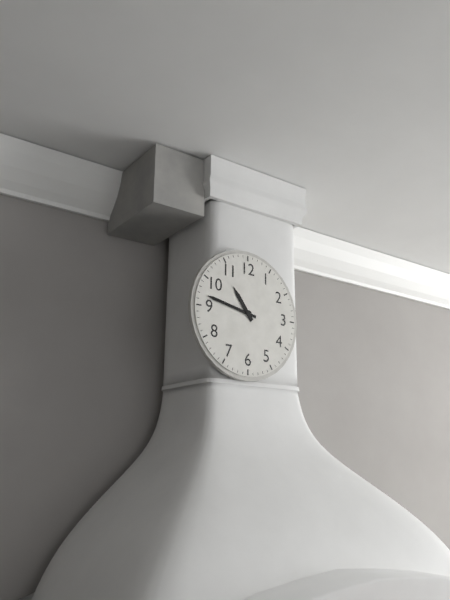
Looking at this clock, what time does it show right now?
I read 10:47
